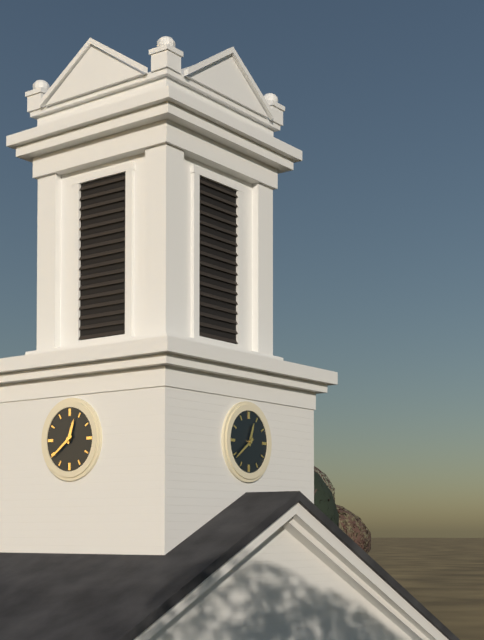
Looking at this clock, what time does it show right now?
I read 12:39
